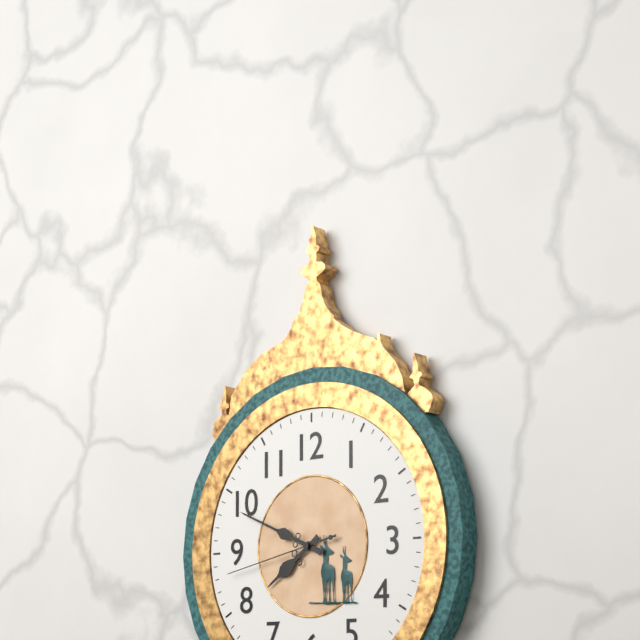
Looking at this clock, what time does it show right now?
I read 7:49:43
